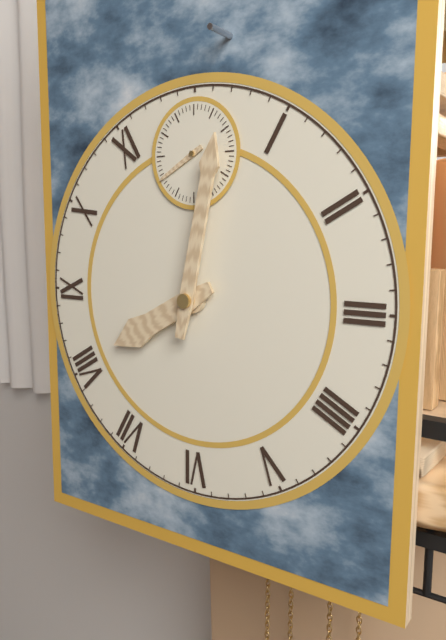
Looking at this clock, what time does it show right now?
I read 8:02:40
